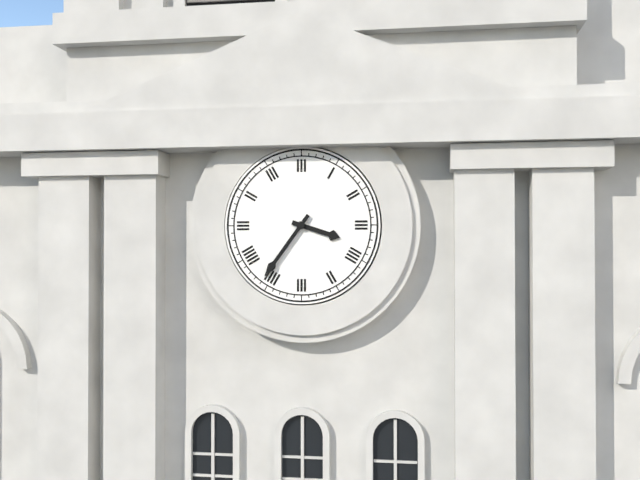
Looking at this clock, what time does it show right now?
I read 3:36
